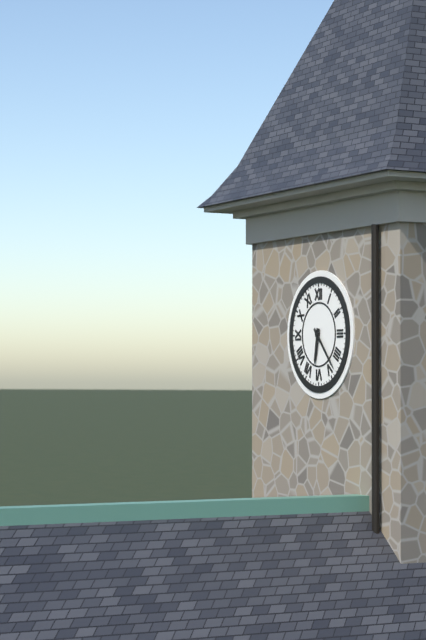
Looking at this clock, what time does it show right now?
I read 6:23
